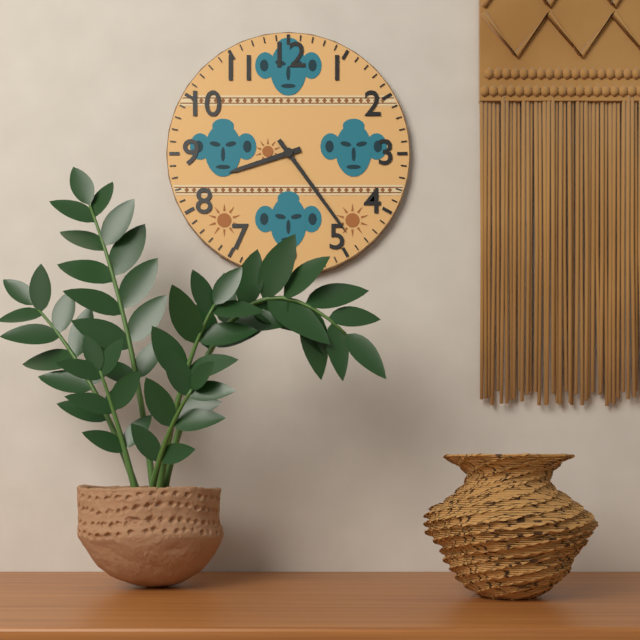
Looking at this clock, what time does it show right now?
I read 8:24
